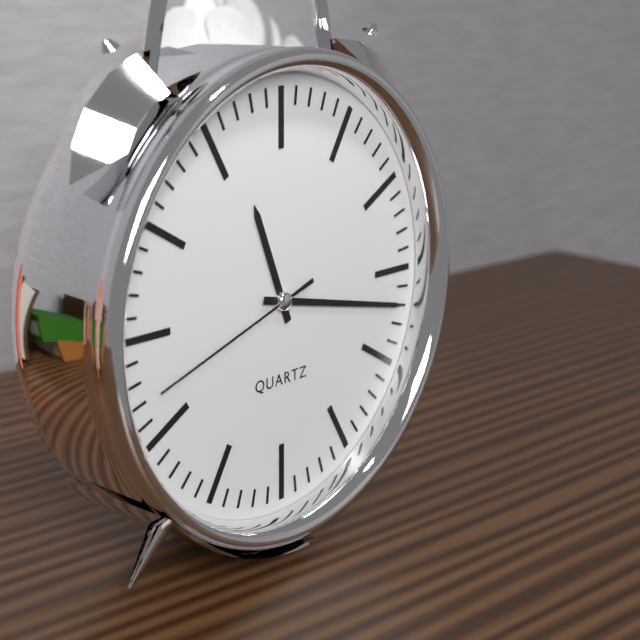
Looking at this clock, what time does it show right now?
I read 11:17:42
